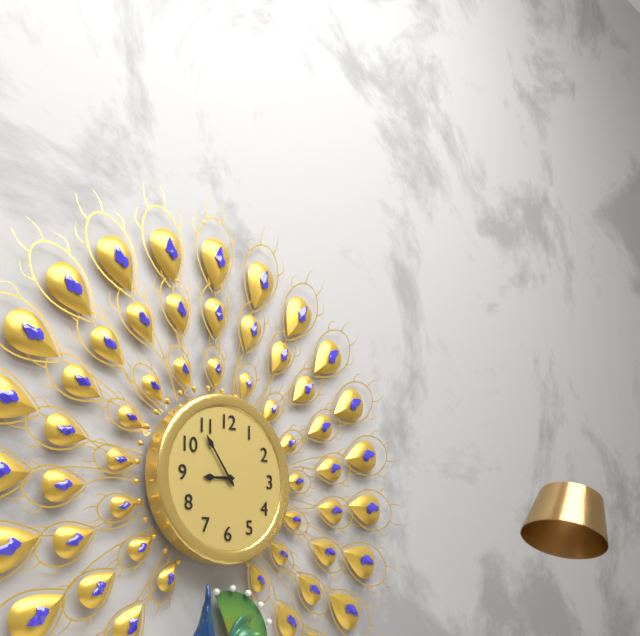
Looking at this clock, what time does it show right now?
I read 8:54
